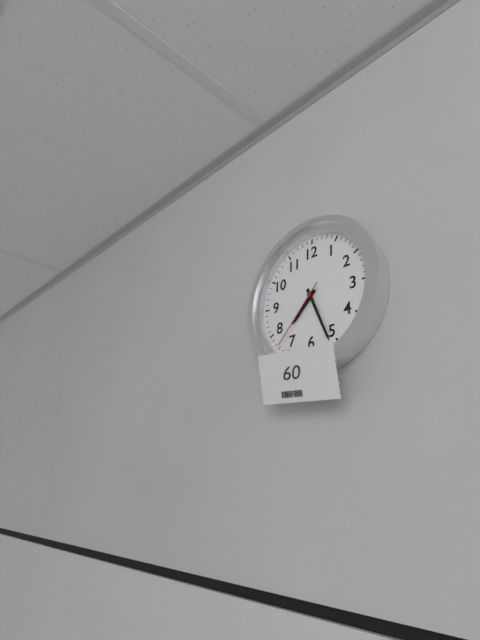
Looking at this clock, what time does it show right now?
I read 7:26:37
